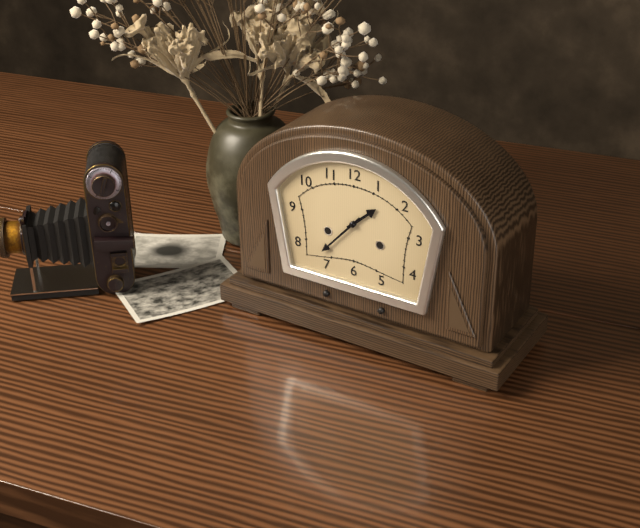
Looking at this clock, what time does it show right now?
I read 1:37
